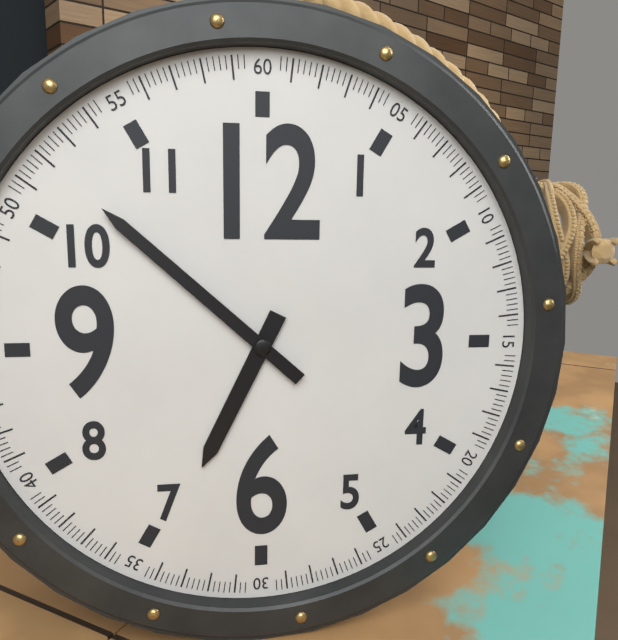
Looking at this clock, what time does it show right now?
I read 6:52
